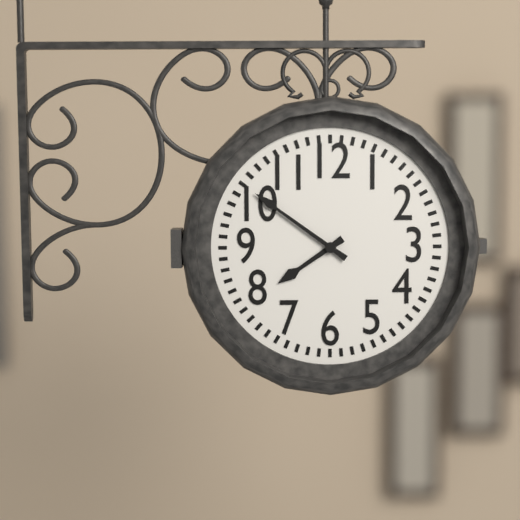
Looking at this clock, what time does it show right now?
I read 7:51
